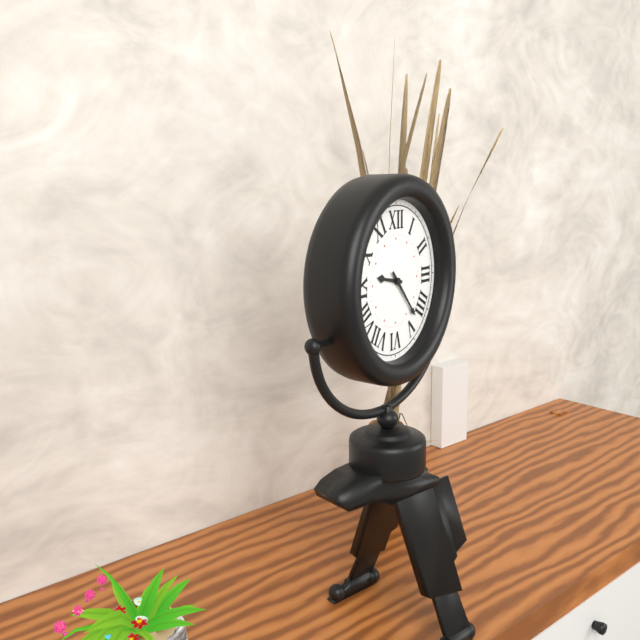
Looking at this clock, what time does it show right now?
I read 9:23
